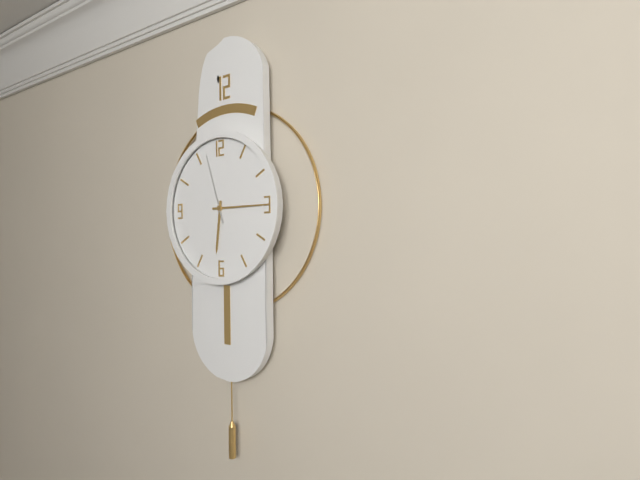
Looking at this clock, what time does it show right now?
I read 6:15:57
